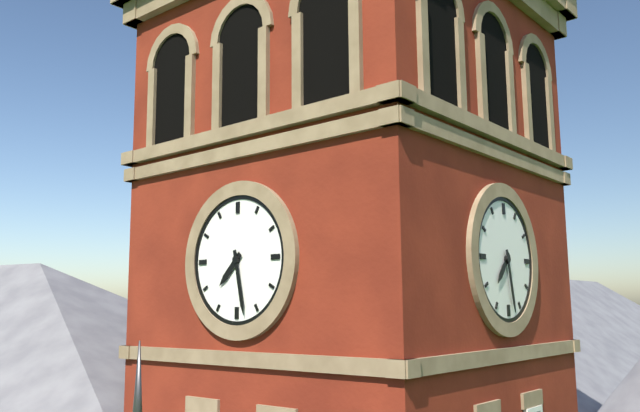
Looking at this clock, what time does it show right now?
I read 7:28
